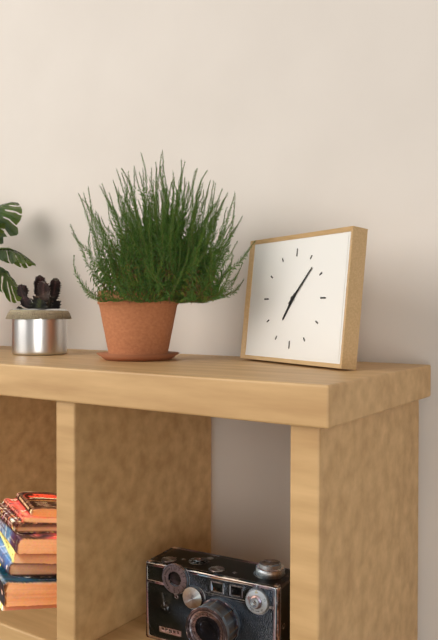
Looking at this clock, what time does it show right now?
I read 7:07
